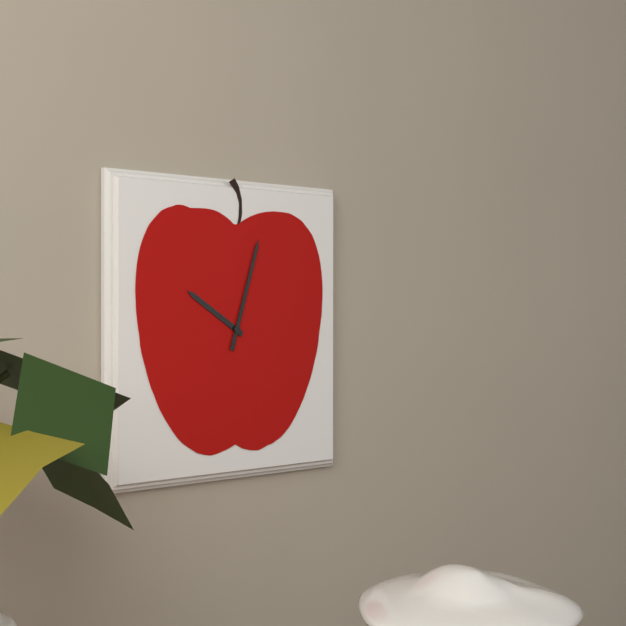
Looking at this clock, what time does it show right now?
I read 10:03
